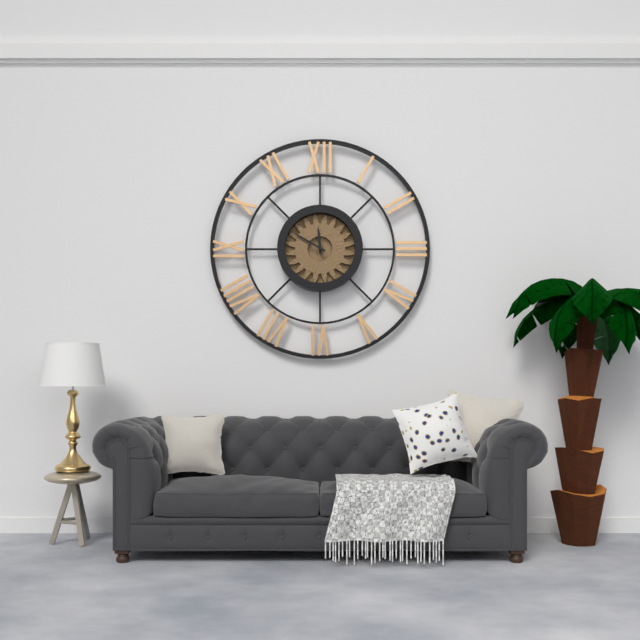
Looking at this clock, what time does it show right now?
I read 11:50
